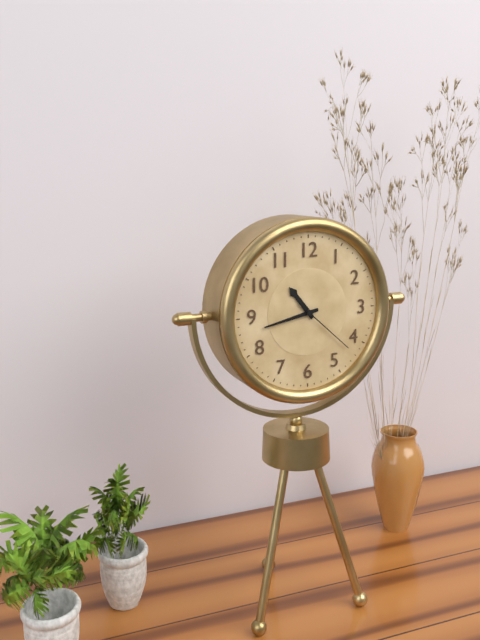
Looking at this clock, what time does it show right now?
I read 10:43:22
